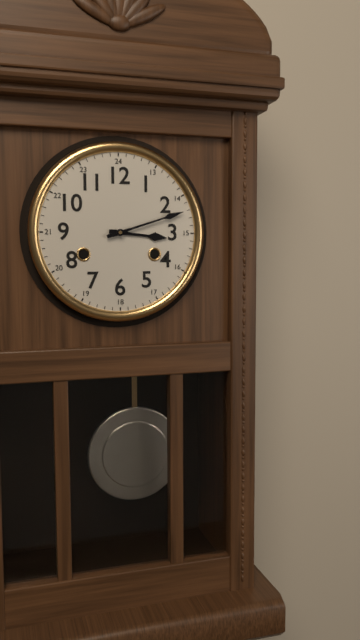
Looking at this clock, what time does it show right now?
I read 3:12
